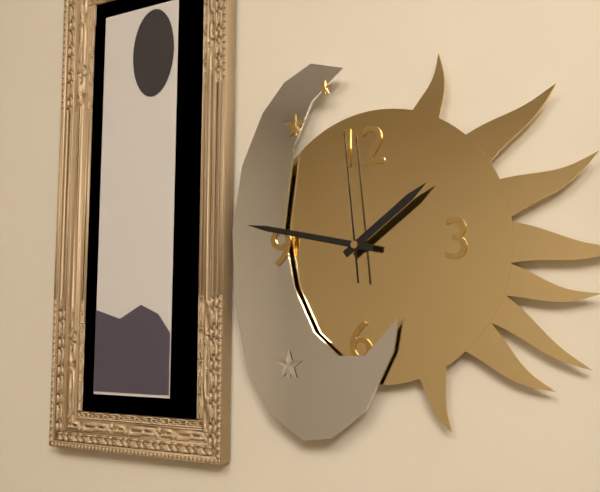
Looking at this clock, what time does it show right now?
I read 1:47:59
